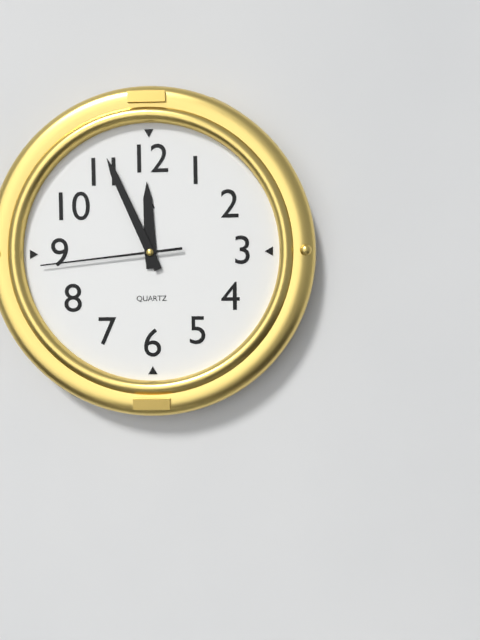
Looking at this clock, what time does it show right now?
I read 11:56:44
